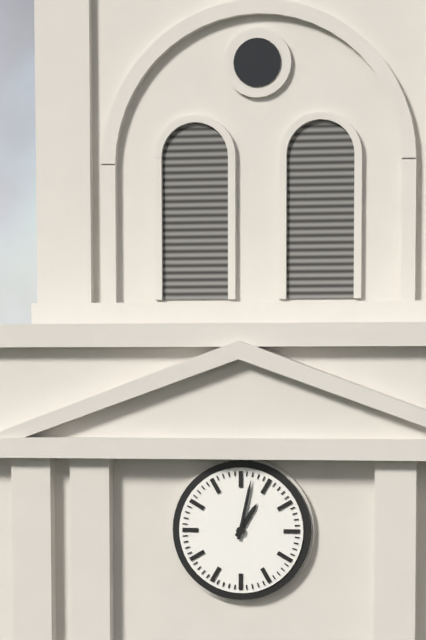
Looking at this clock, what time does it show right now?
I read 1:02
